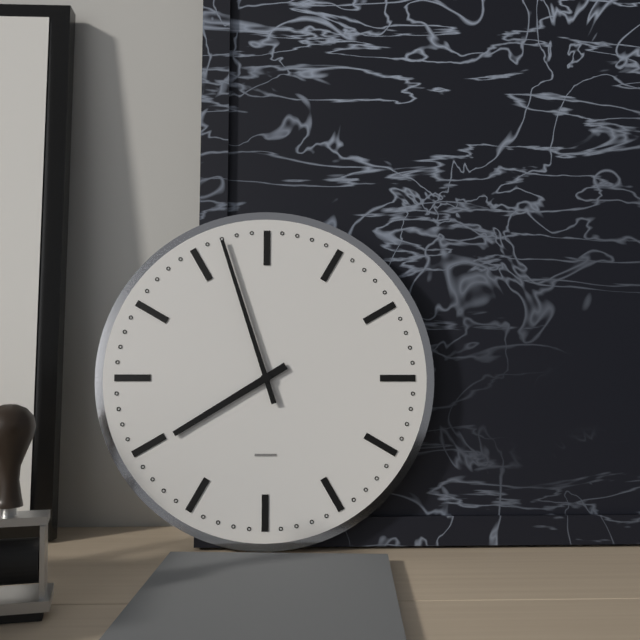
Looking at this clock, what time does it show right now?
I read 7:57
